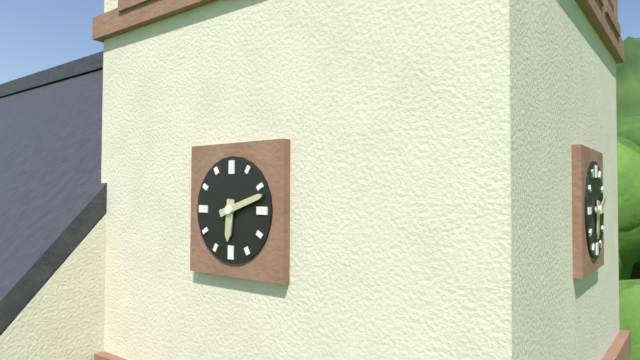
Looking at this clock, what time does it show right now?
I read 6:12
